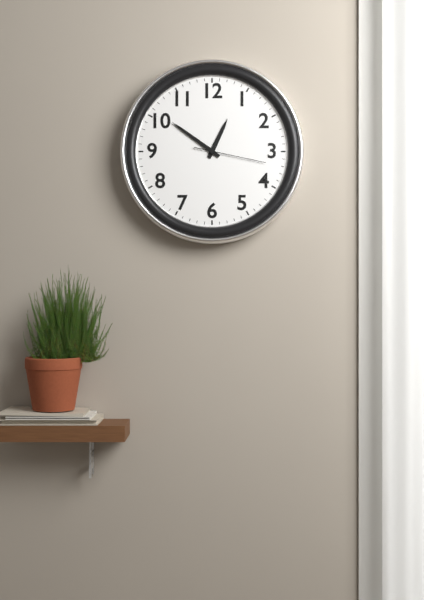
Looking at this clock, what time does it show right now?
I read 12:51:17
